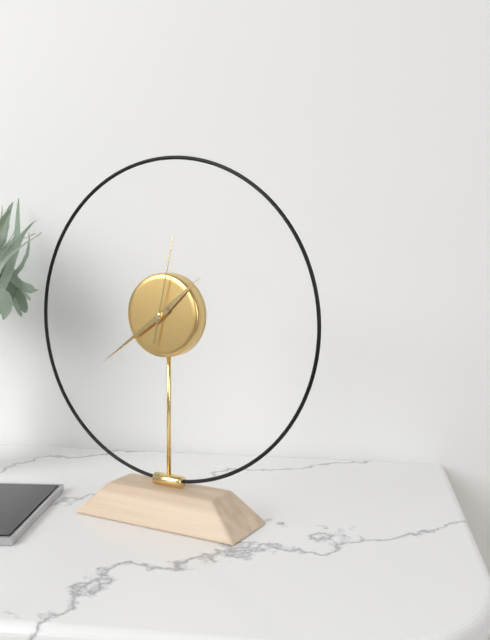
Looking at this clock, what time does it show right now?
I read 1:39:02
